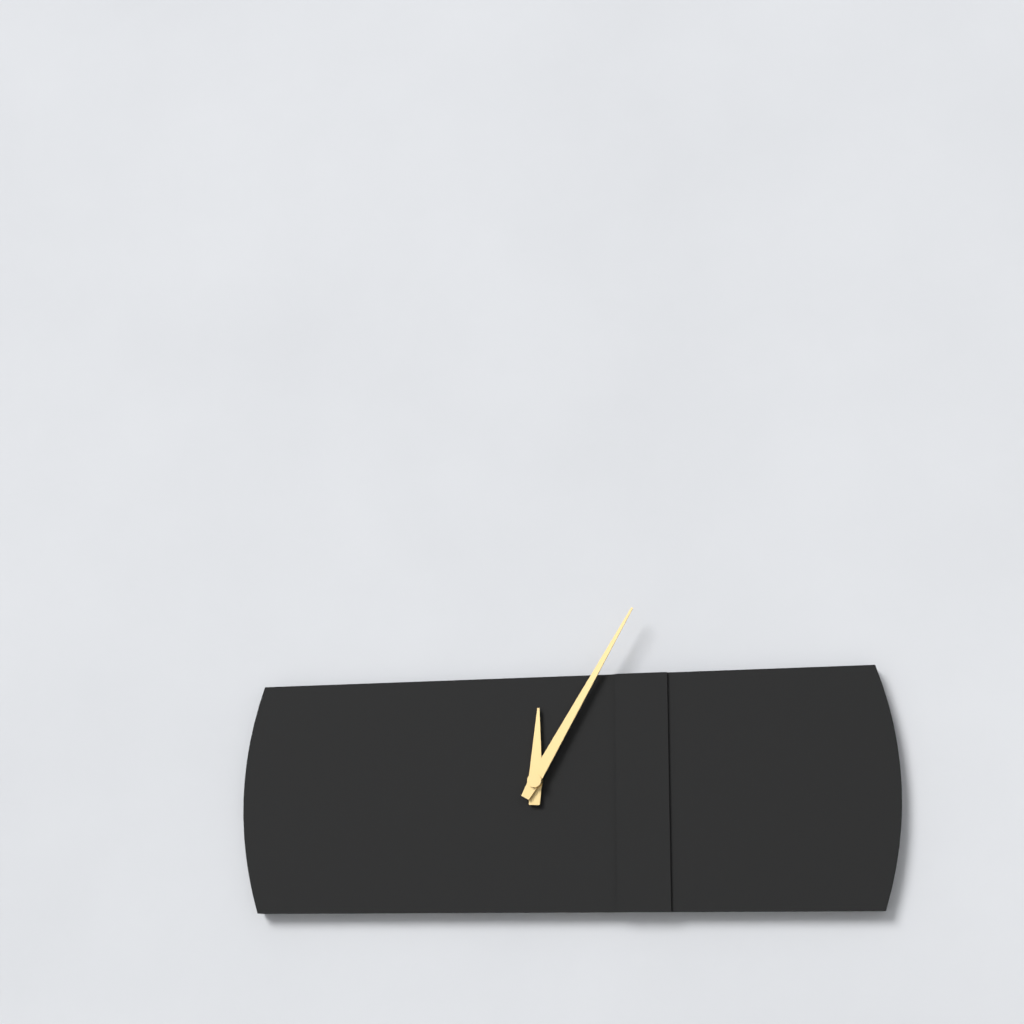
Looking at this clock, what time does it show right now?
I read 12:05
